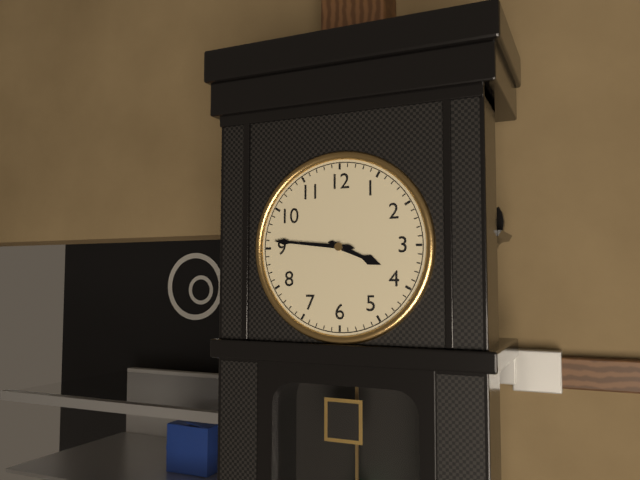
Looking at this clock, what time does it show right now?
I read 3:46
